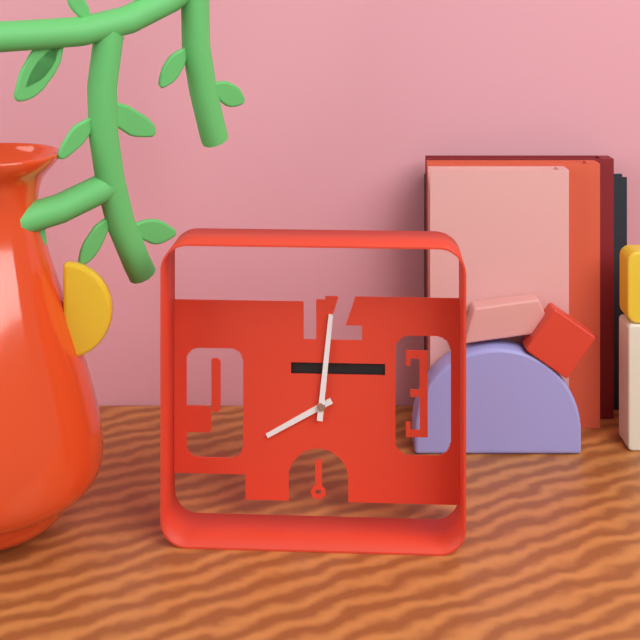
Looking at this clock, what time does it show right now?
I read 8:01
